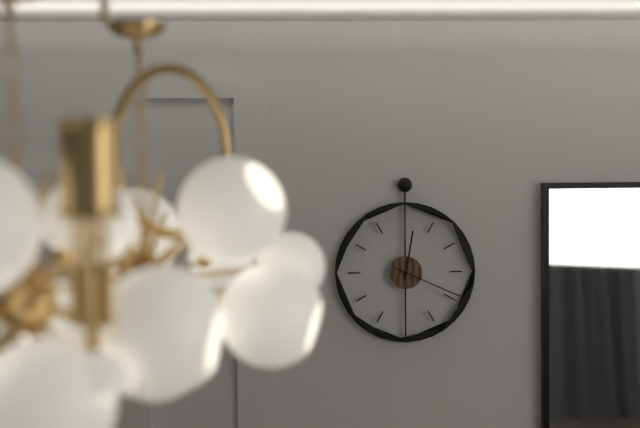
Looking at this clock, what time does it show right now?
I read 12:19
